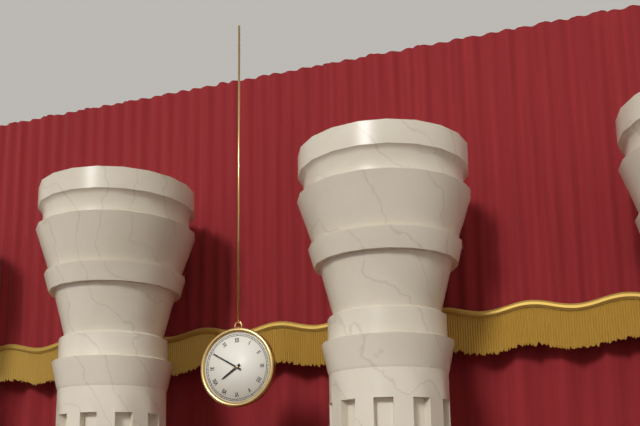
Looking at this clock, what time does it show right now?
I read 7:50
